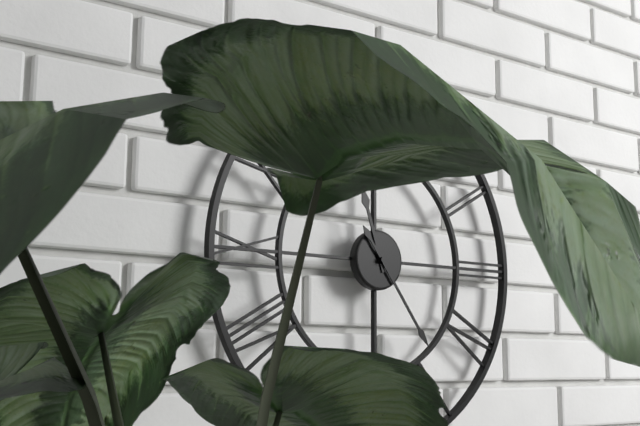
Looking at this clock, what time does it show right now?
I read 11:24
